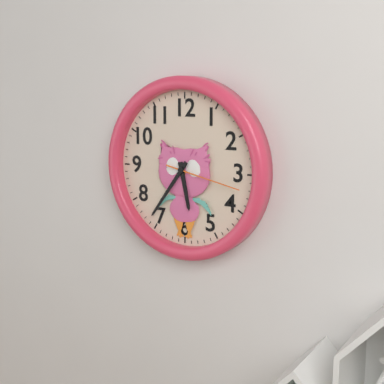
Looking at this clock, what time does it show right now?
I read 5:36:17
